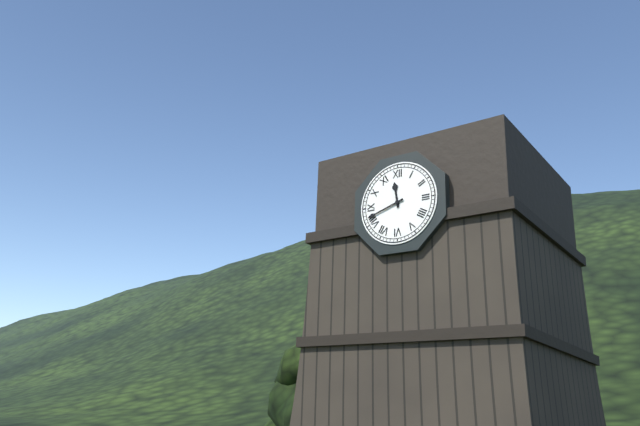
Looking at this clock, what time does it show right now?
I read 11:42
